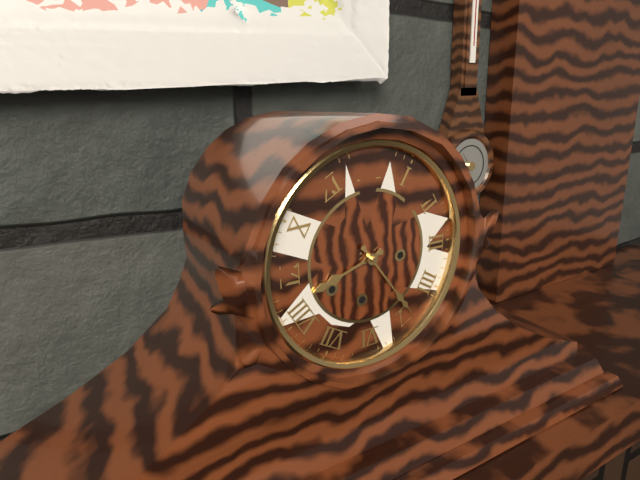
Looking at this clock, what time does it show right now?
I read 8:24
